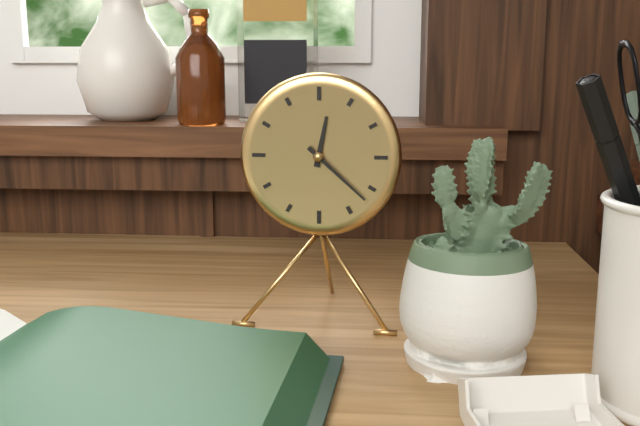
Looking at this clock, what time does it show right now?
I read 12:22
